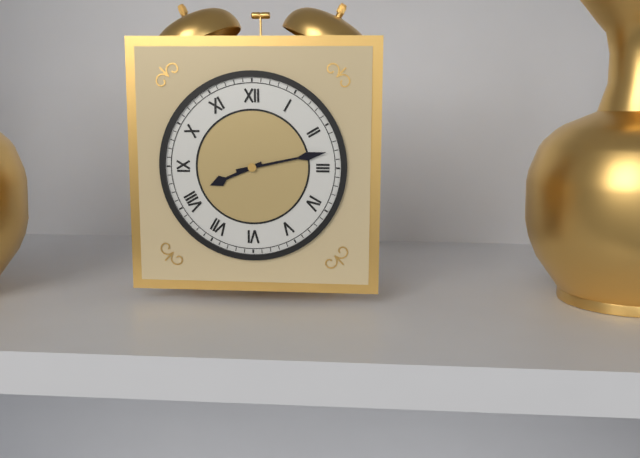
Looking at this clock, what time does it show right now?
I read 8:13
